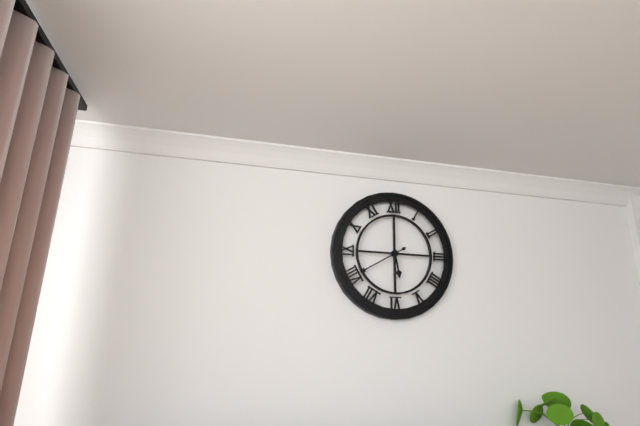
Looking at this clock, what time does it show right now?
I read 5:40
